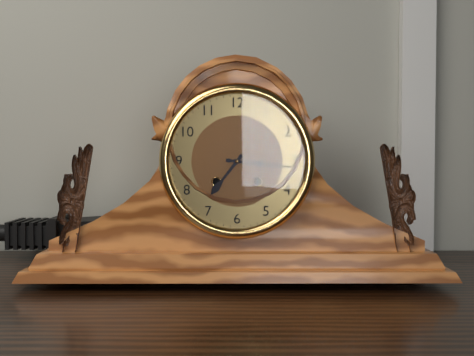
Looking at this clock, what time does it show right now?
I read 7:16
